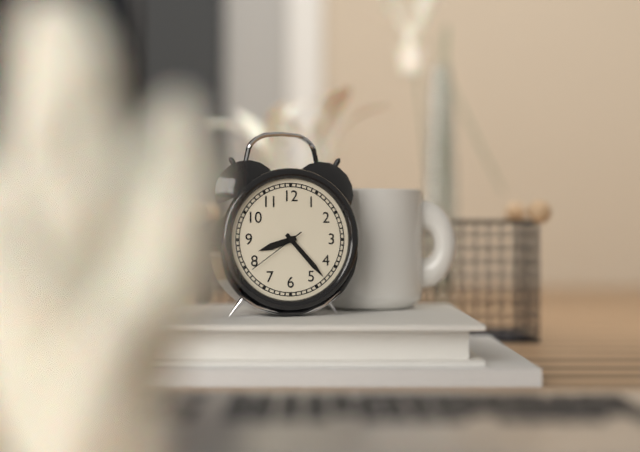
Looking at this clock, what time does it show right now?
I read 8:23:39
